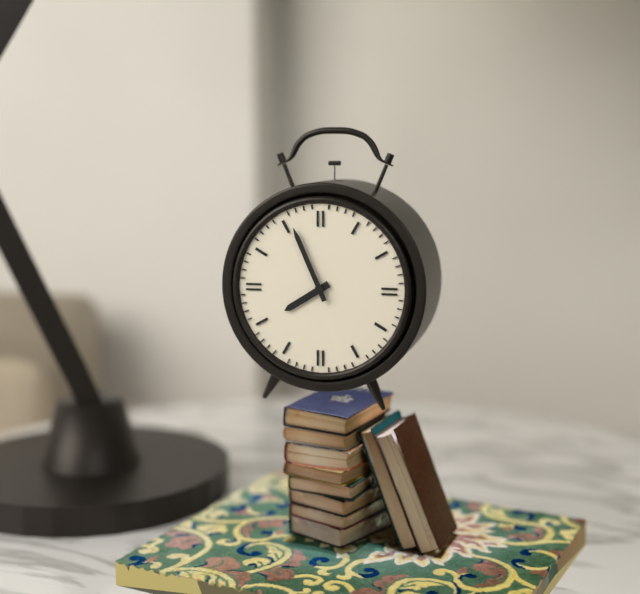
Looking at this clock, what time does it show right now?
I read 7:56
